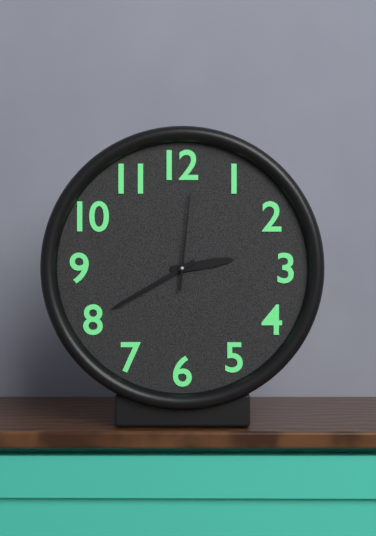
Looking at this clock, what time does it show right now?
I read 2:40:01
